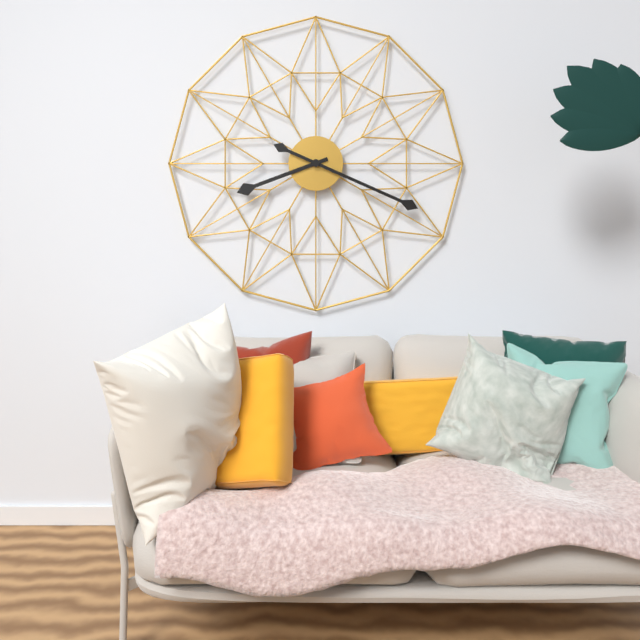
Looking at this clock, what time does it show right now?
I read 8:19
